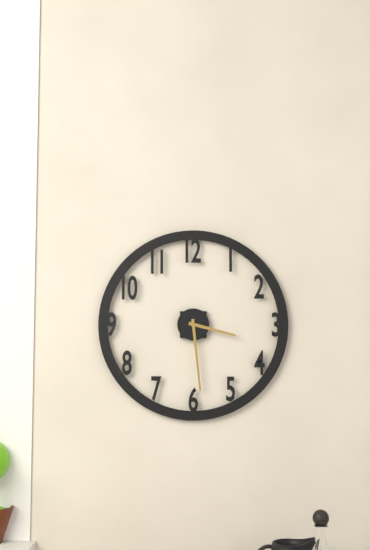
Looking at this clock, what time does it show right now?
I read 3:29
